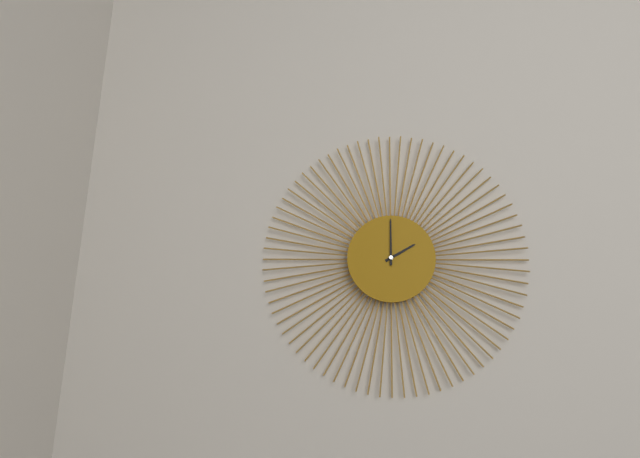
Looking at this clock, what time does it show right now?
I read 2:00
